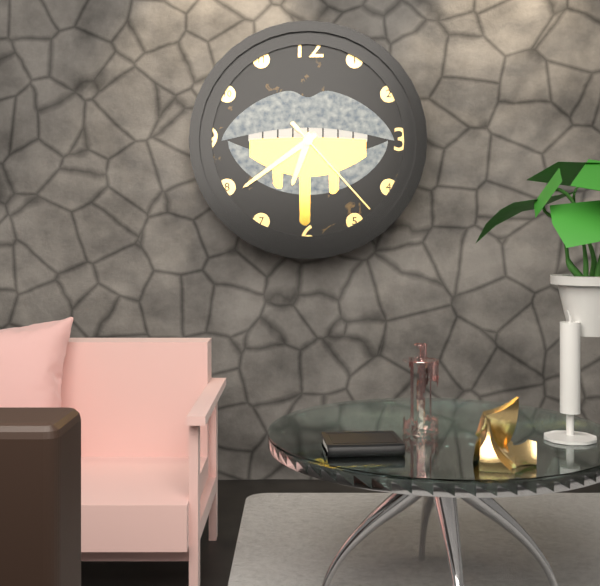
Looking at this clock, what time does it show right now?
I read 6:39:23
